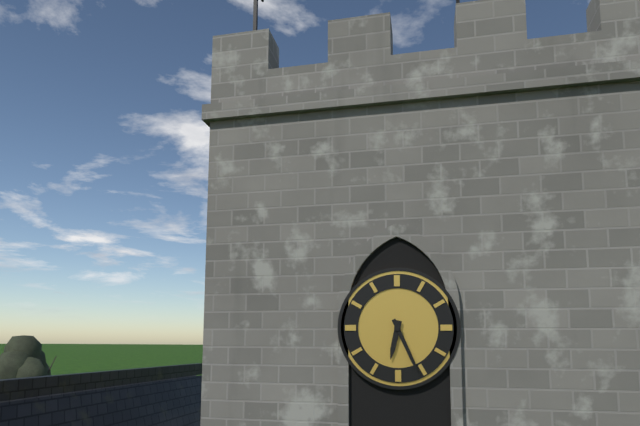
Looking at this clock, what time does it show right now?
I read 6:26
